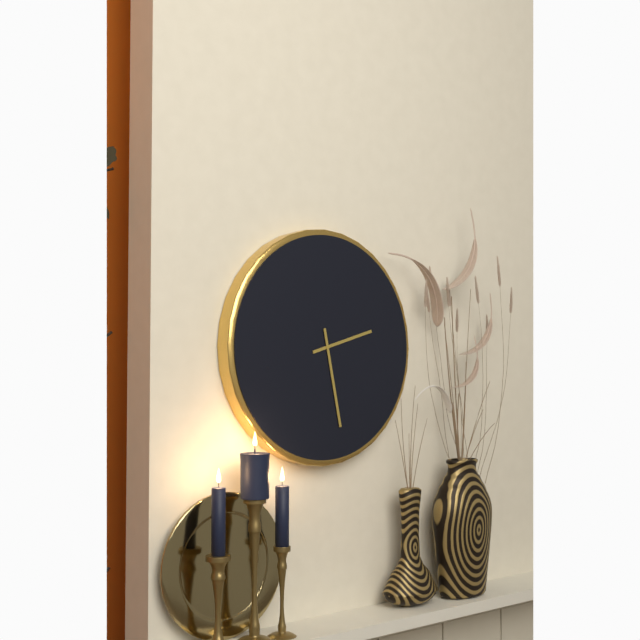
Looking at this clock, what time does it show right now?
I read 2:28
